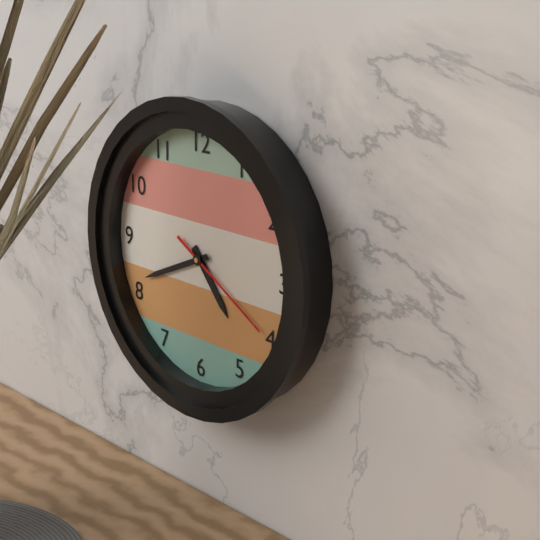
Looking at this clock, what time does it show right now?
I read 4:41:20
